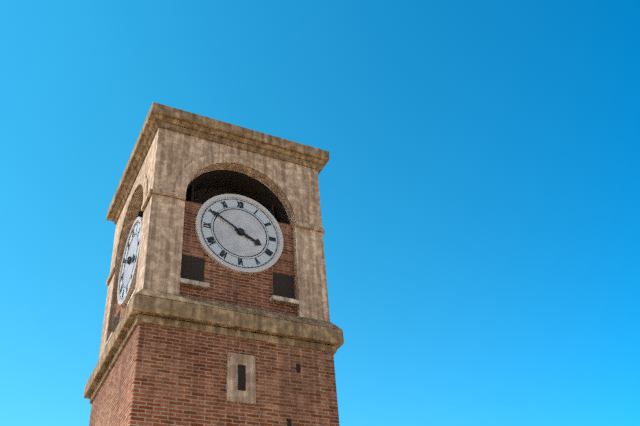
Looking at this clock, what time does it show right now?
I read 3:50
